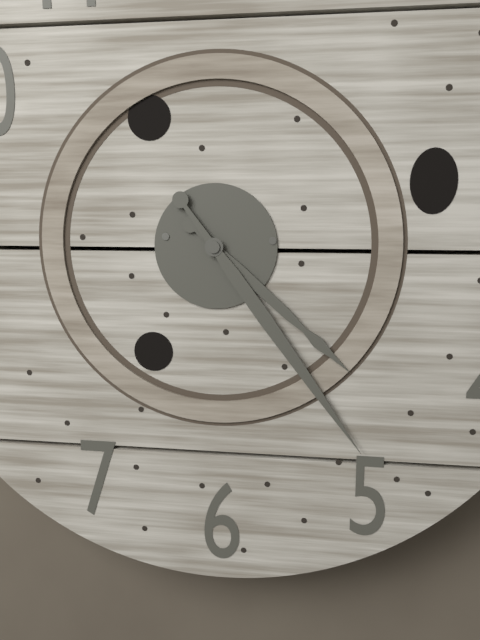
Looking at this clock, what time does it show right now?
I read 4:24
